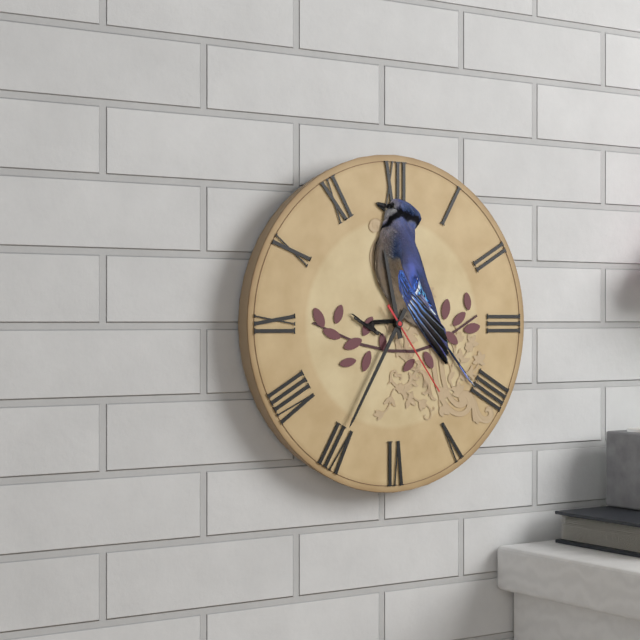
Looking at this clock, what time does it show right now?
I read 11:35:24
